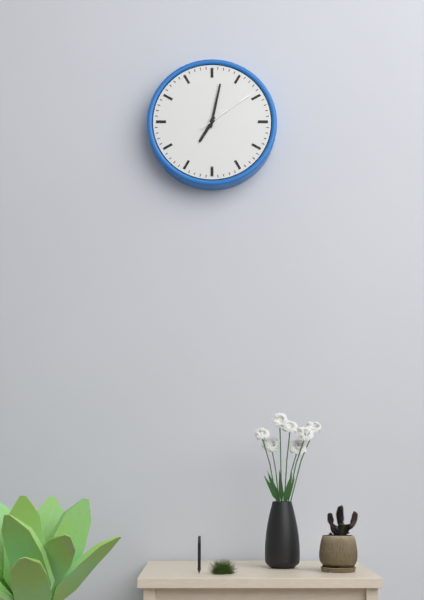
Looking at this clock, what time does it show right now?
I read 7:02:09
